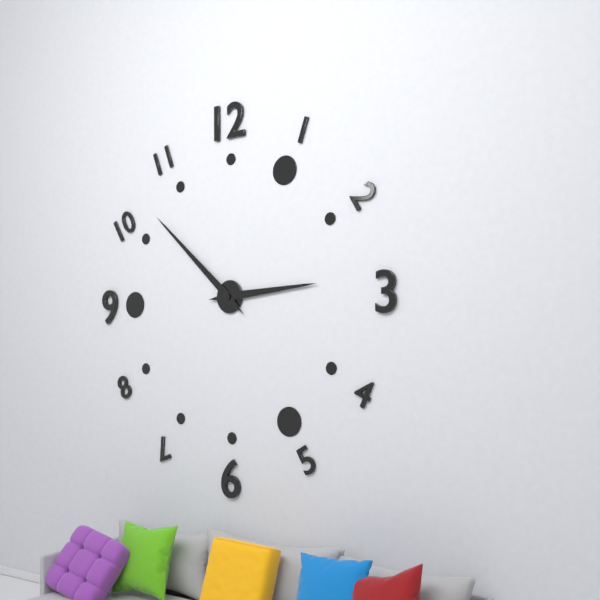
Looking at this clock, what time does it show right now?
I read 2:52
